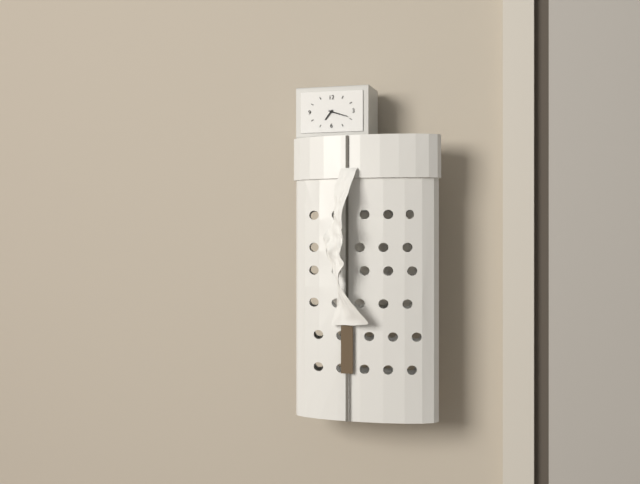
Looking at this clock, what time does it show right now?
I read 7:18
